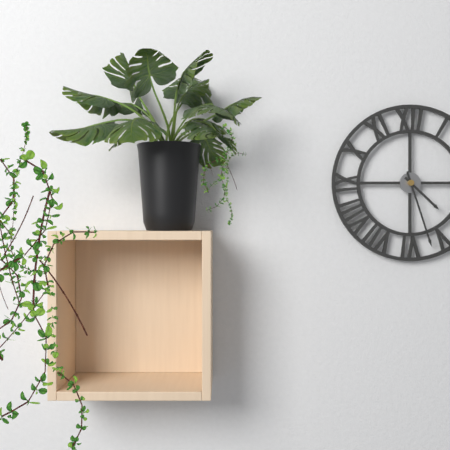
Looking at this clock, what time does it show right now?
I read 4:27
